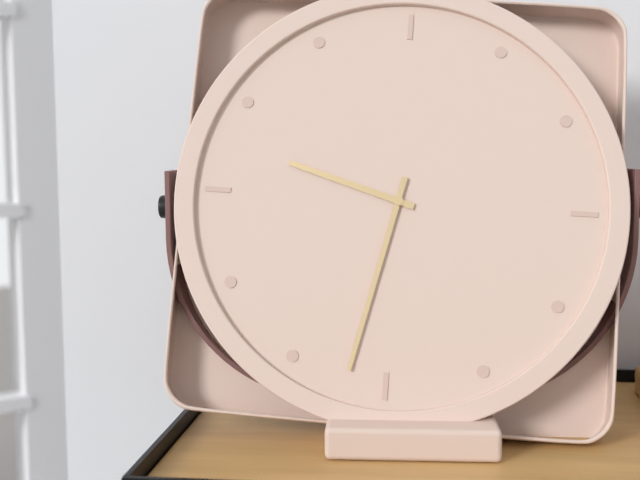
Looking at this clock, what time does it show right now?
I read 9:32
